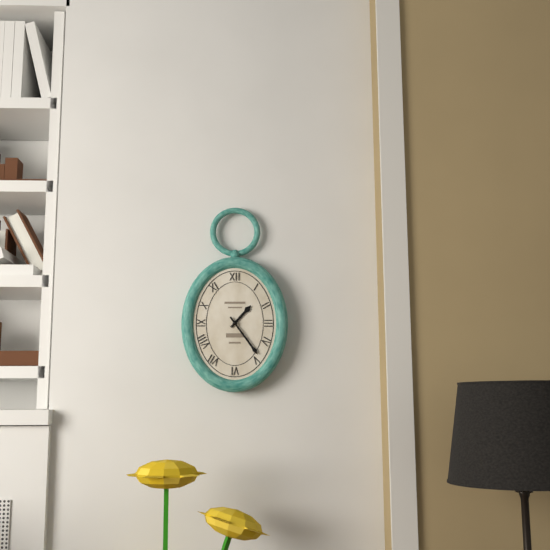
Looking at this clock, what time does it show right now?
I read 1:24
